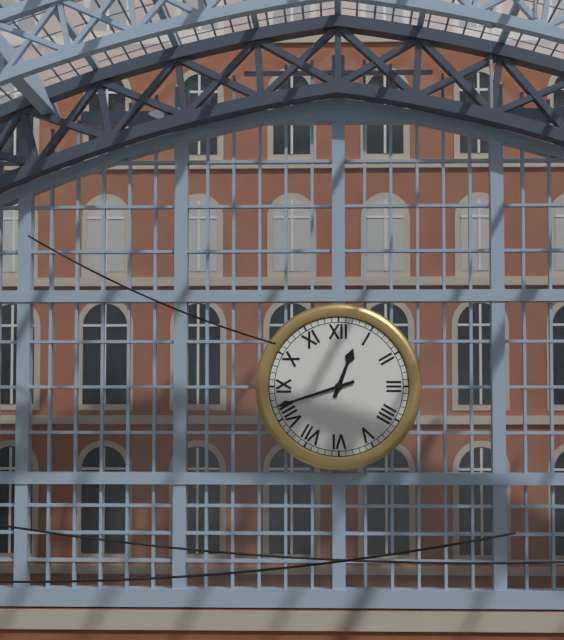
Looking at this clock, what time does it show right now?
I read 12:42
